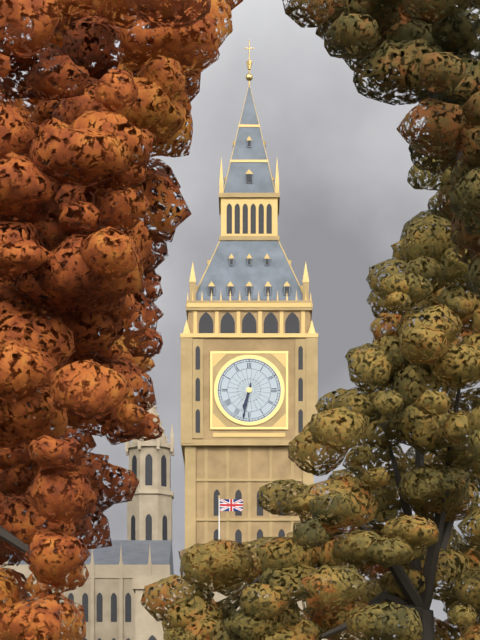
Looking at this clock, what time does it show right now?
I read 6:32
